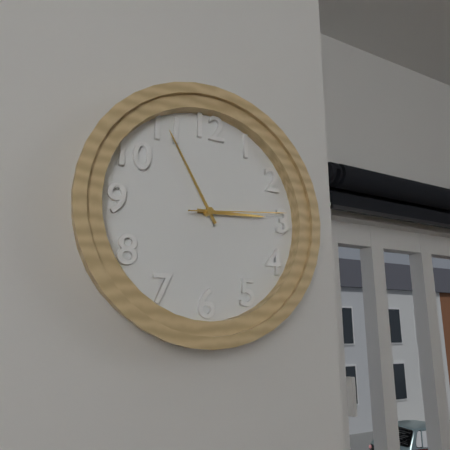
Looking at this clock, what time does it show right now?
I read 2:55:14
